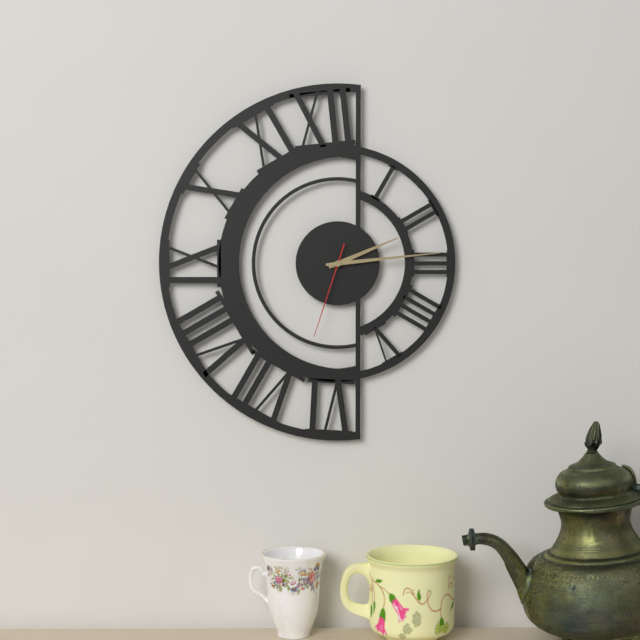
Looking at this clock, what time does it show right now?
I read 2:14:33
